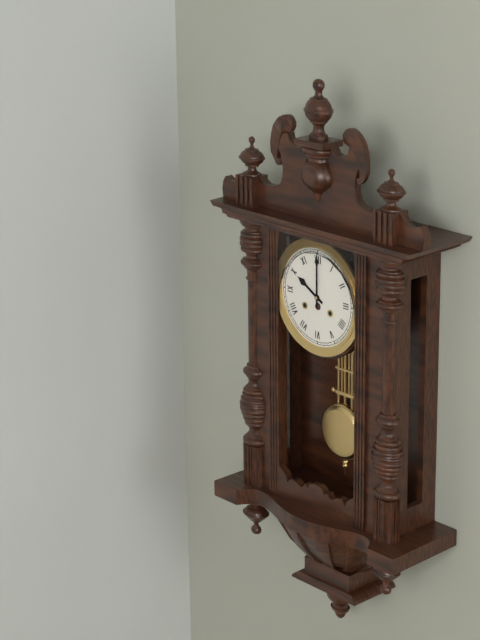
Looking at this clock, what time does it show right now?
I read 10:00
